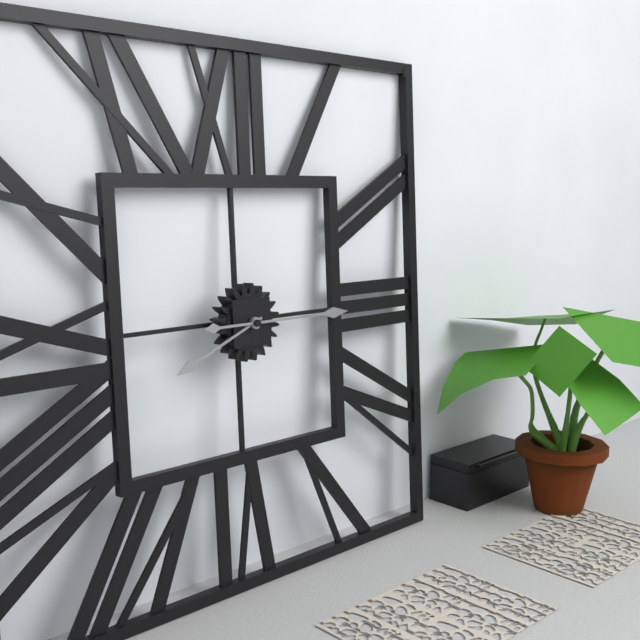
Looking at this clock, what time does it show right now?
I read 8:15
